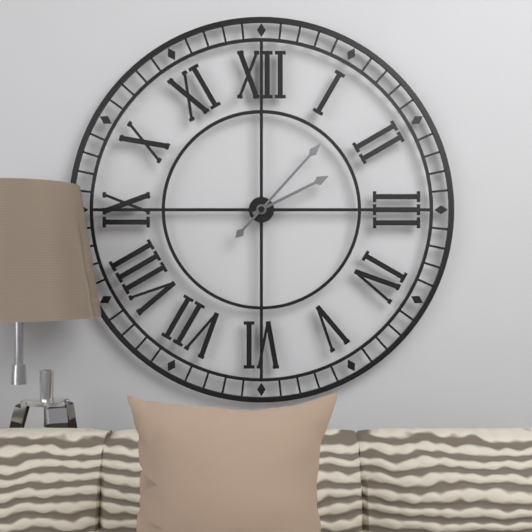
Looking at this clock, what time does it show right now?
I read 2:07
